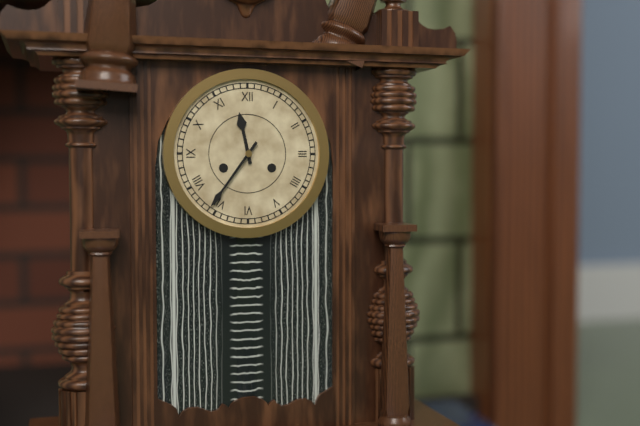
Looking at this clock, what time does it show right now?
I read 11:36
